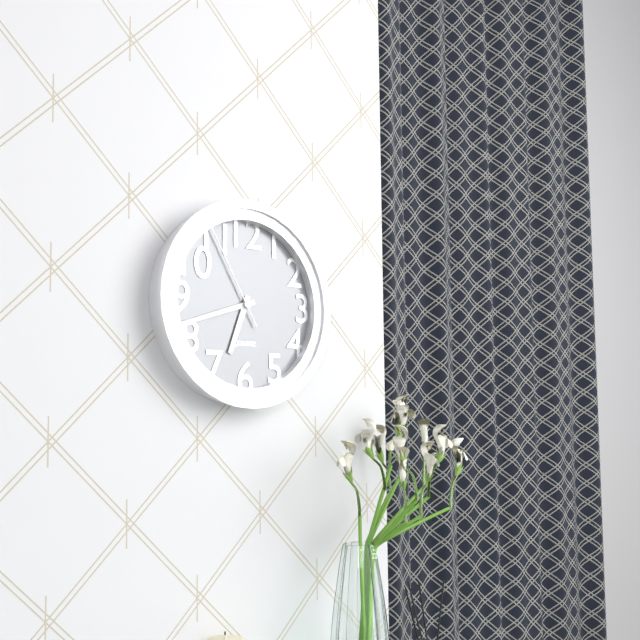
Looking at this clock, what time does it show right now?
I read 6:42:55
